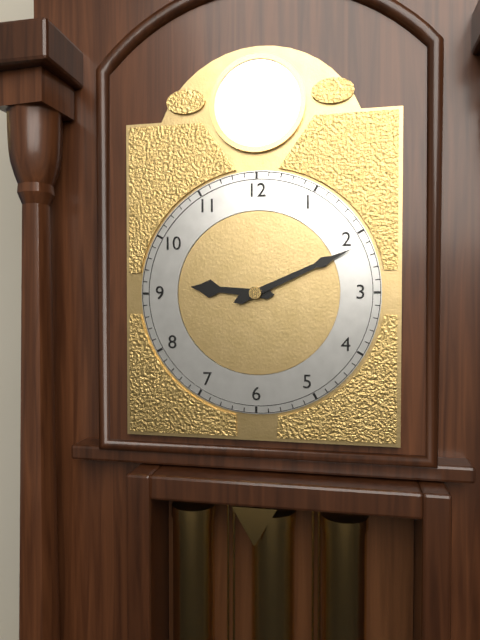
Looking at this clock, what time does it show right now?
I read 9:11
